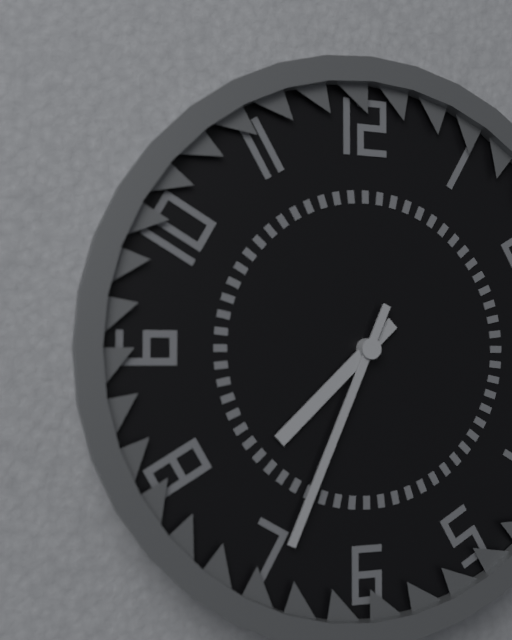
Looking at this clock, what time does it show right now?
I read 7:34
